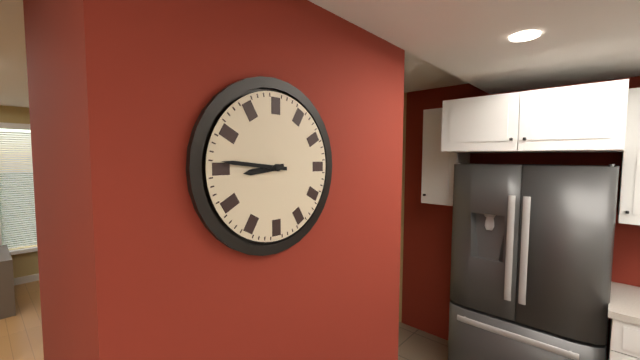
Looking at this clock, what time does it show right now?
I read 8:46
